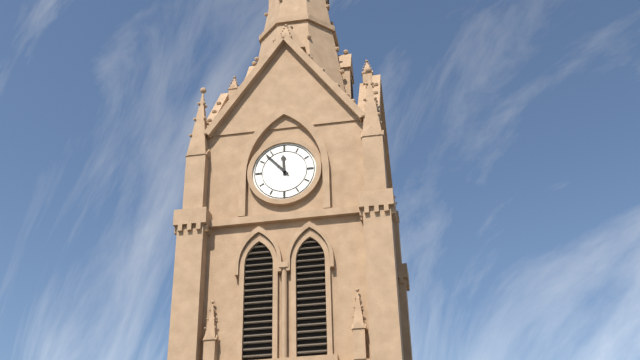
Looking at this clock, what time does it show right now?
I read 11:53
